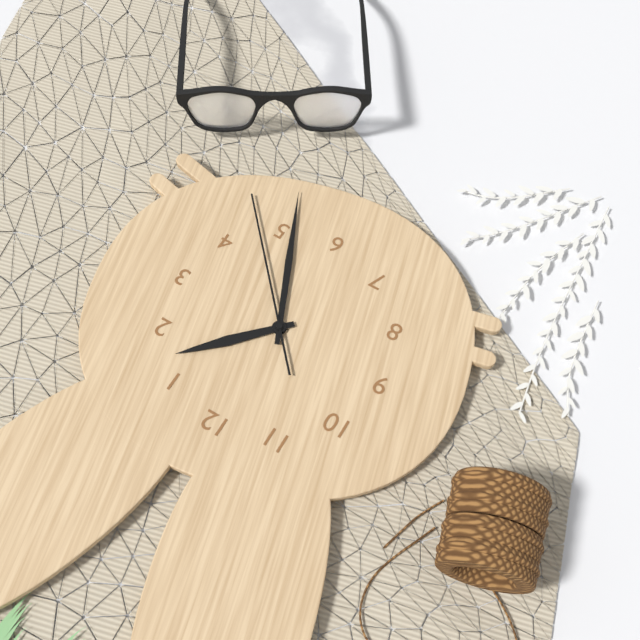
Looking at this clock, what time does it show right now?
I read 1:26:23
